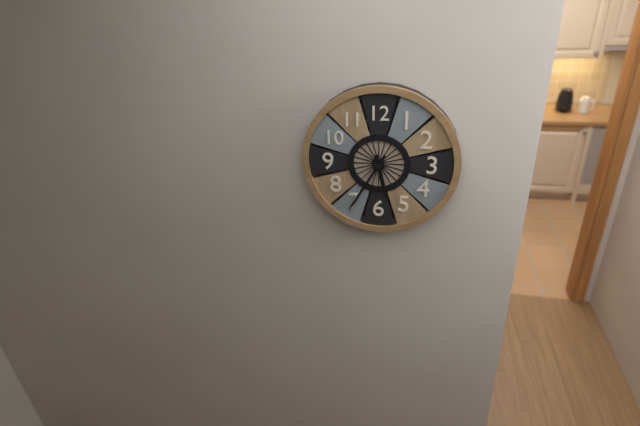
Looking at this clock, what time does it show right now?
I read 5:35
